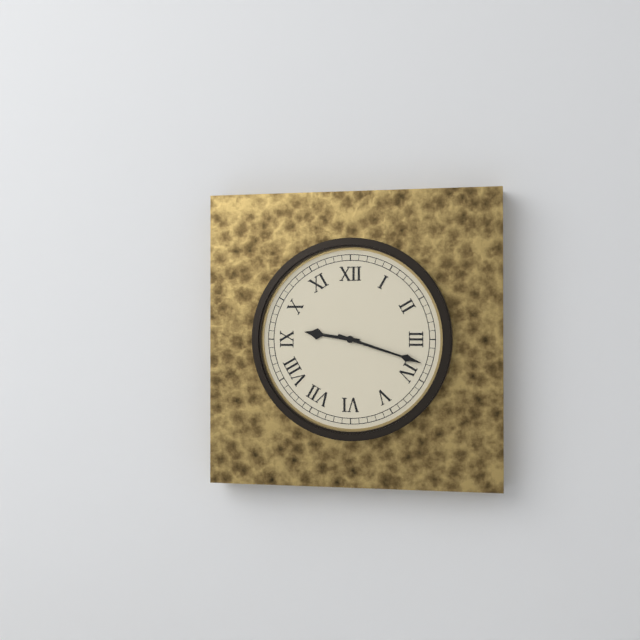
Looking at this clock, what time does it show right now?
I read 9:18
